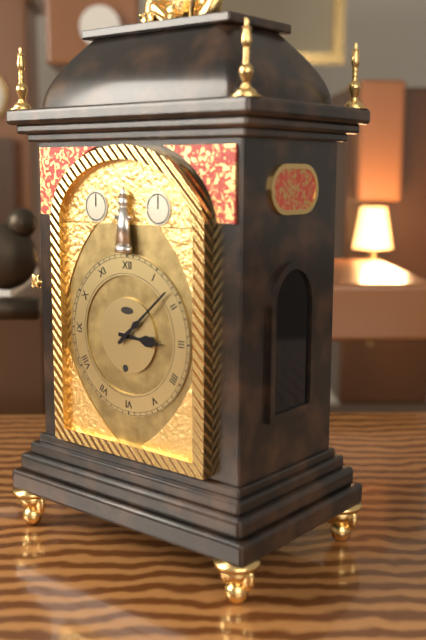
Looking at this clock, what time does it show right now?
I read 3:08
